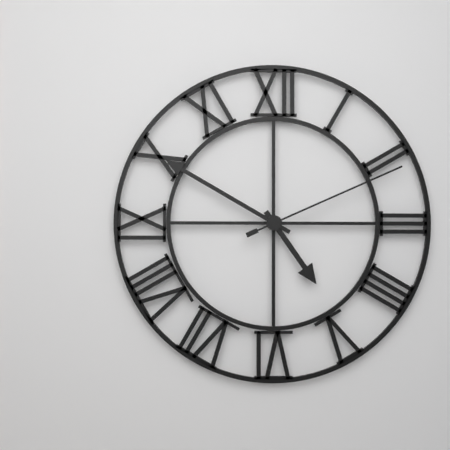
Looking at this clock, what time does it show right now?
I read 4:50:11
